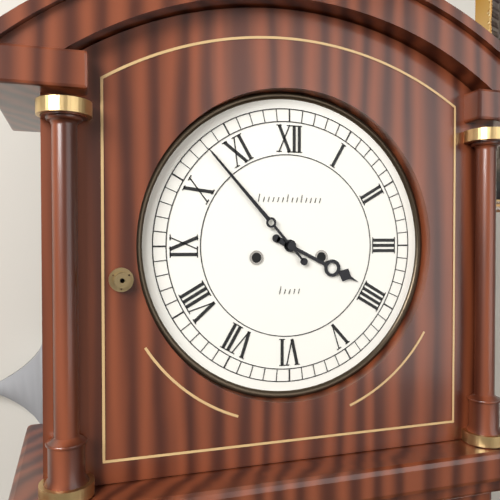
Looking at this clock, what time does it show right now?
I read 3:53
